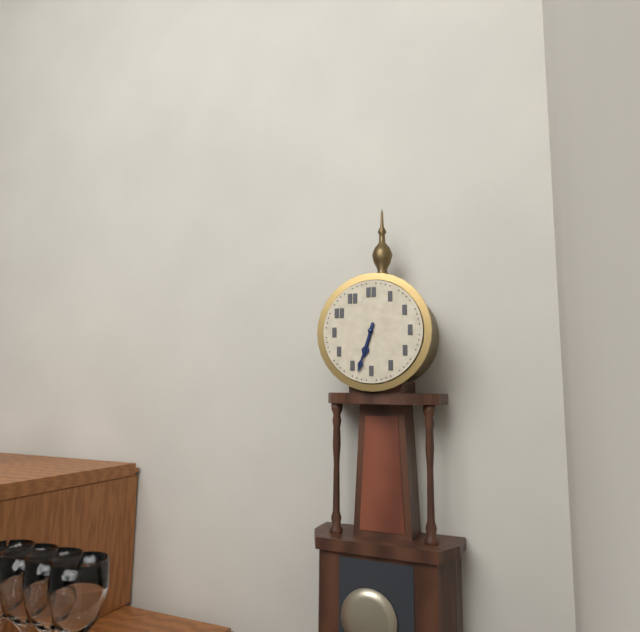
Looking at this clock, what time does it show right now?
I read 6:33
